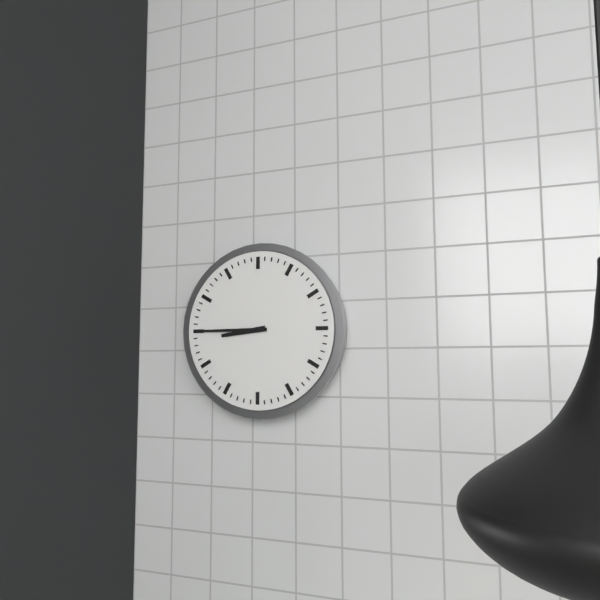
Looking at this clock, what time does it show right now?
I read 8:45
